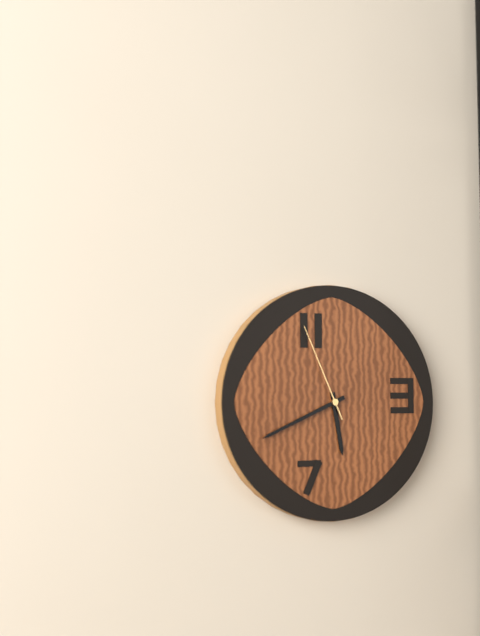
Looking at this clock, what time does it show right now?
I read 5:41:56
